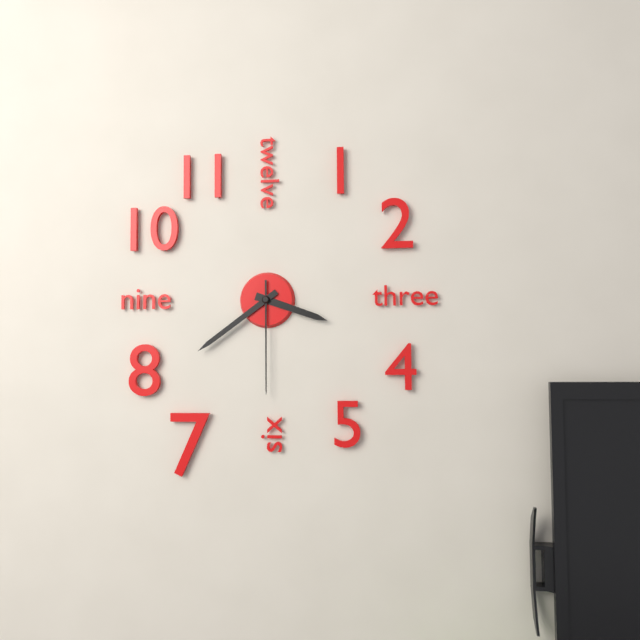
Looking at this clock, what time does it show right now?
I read 3:39:30
